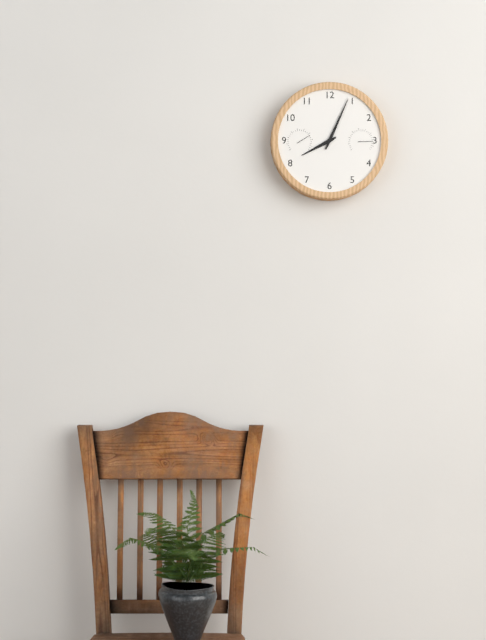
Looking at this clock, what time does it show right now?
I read 8:04
